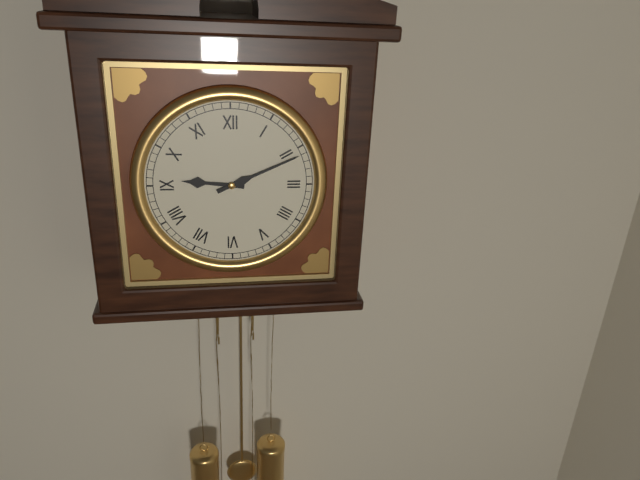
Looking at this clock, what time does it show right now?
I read 9:11
